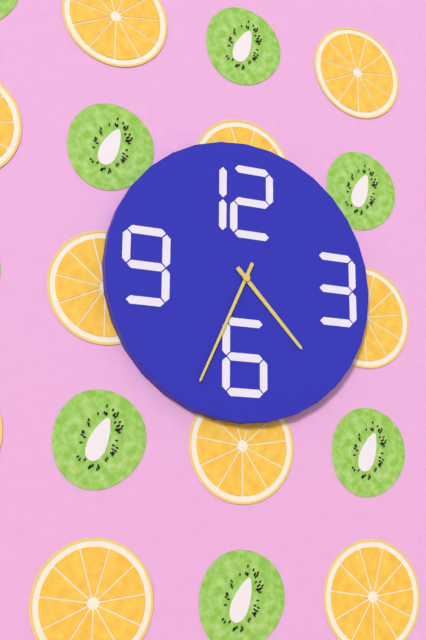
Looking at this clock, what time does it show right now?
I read 4:34
